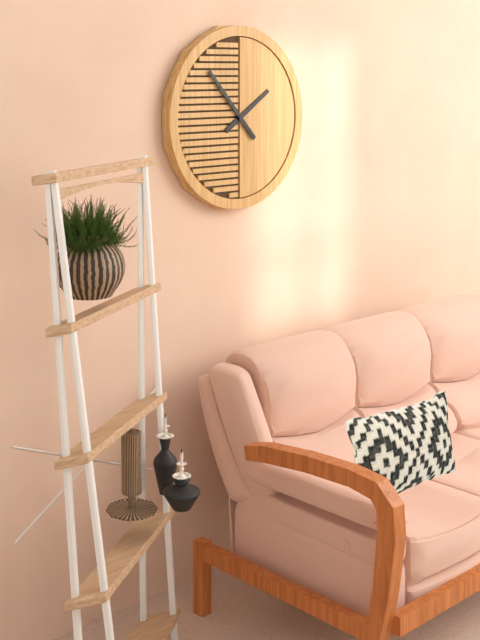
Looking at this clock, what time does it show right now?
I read 1:53
